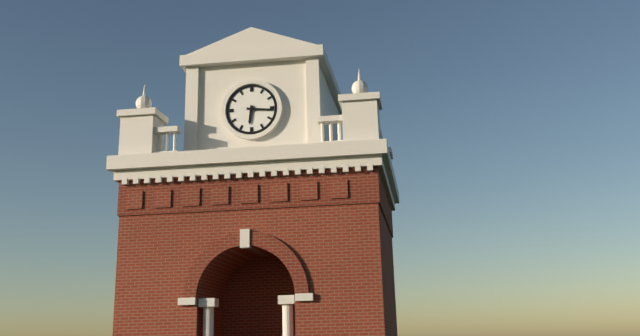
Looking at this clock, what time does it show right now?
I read 6:16
